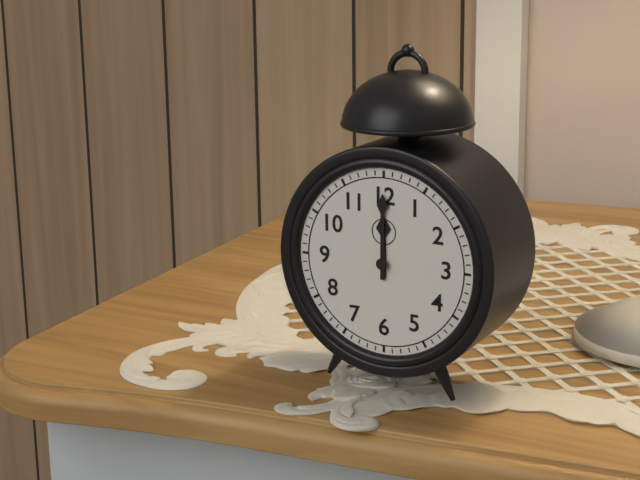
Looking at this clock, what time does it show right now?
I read 12:00
